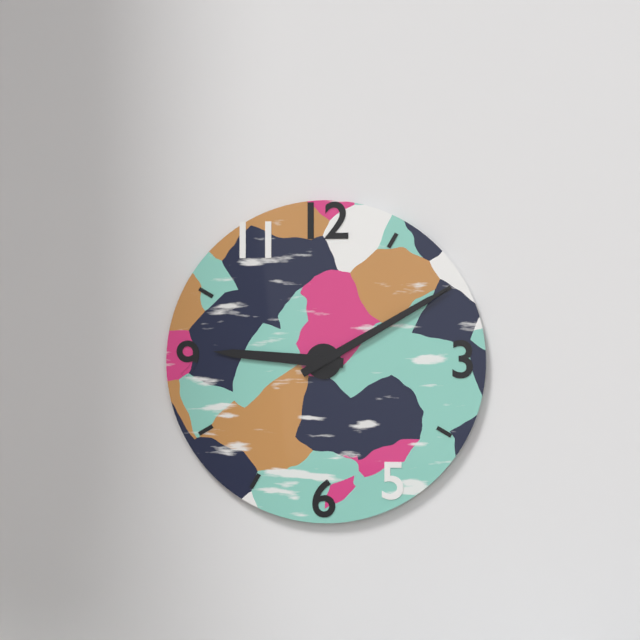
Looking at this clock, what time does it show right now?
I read 9:10
